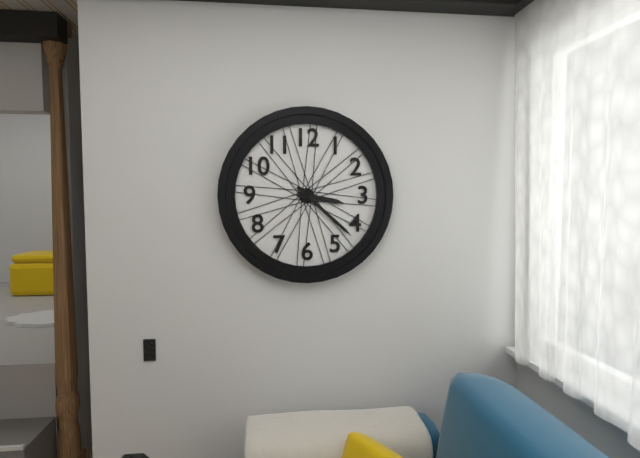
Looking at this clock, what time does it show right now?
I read 3:22
